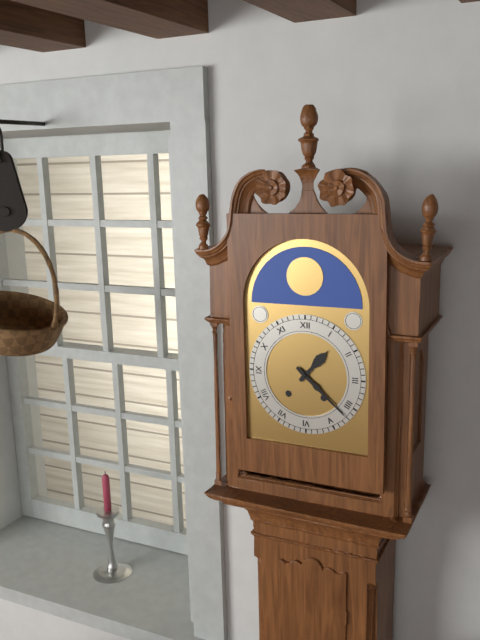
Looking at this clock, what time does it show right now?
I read 1:22
